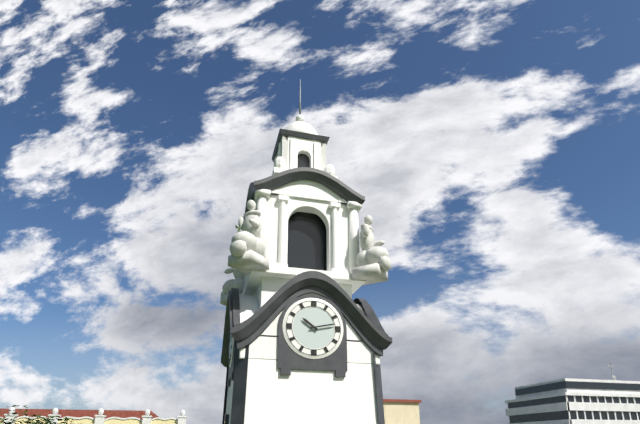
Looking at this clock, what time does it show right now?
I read 10:13
